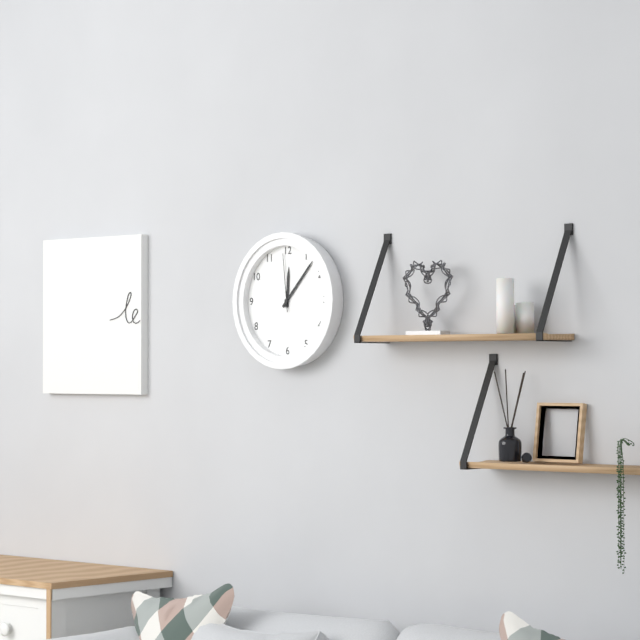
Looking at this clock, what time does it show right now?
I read 12:07:59
